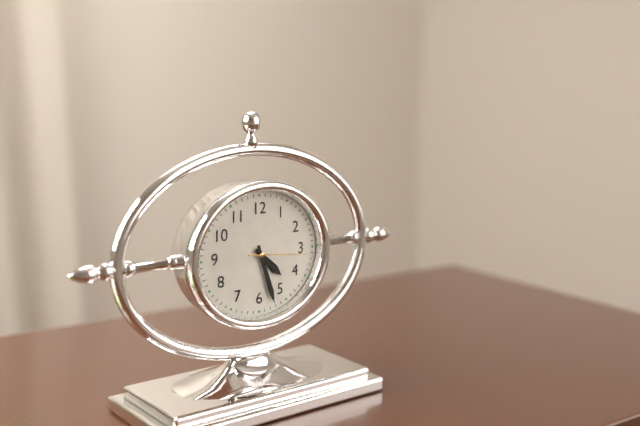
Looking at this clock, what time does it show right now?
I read 4:27:16
